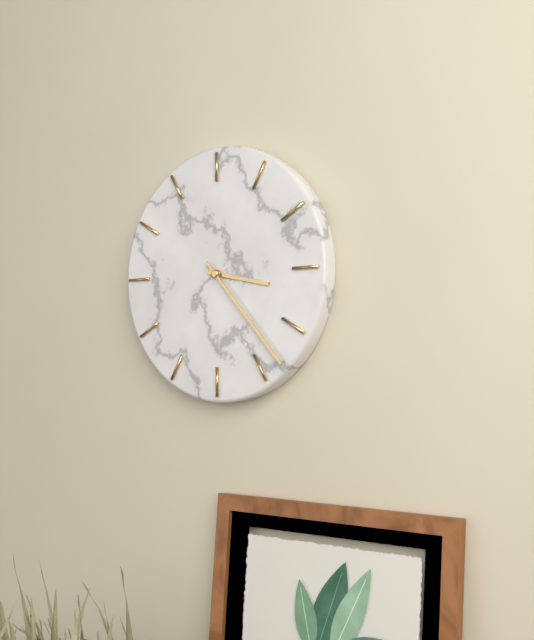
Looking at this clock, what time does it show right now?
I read 3:23
